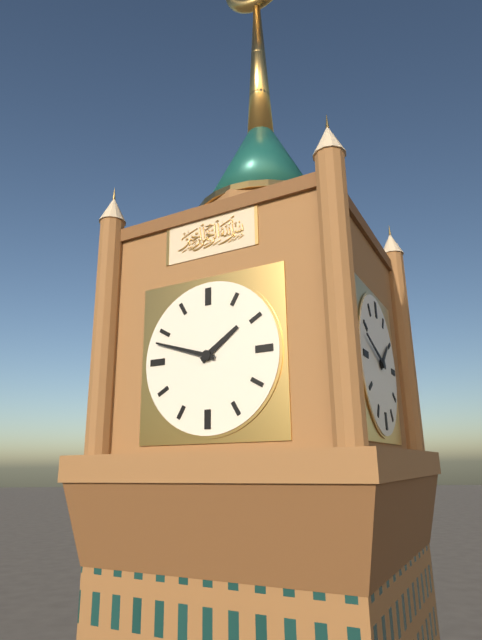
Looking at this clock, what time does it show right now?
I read 1:48
